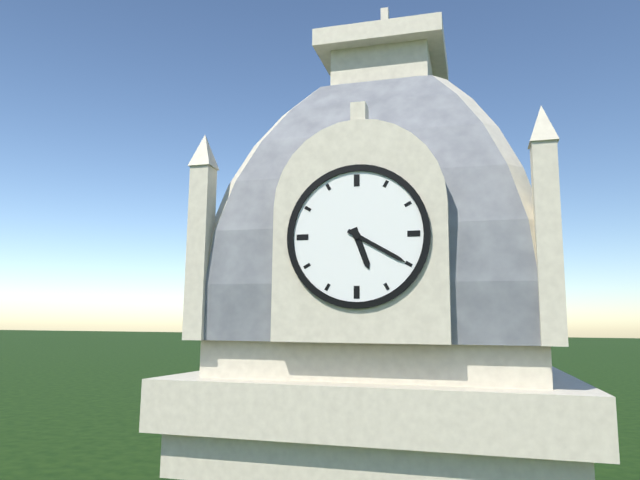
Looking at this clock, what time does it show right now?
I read 5:20
